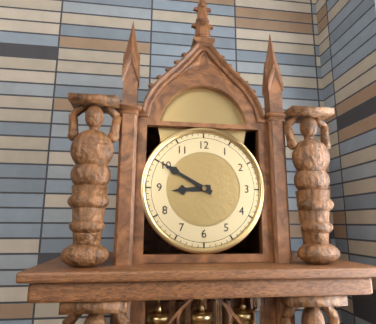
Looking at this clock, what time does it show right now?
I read 8:50
